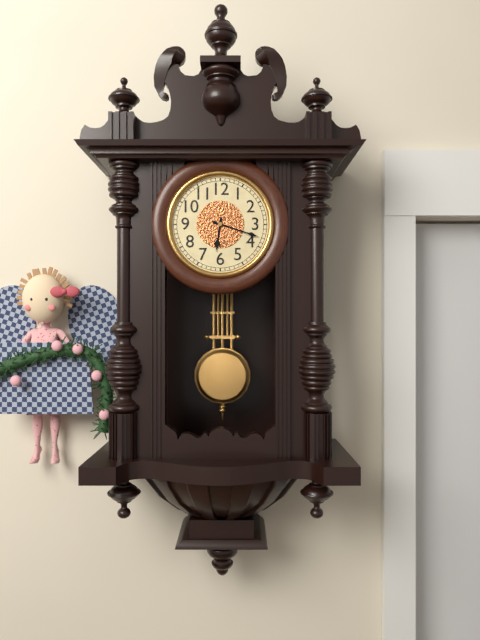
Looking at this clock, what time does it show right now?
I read 6:18
